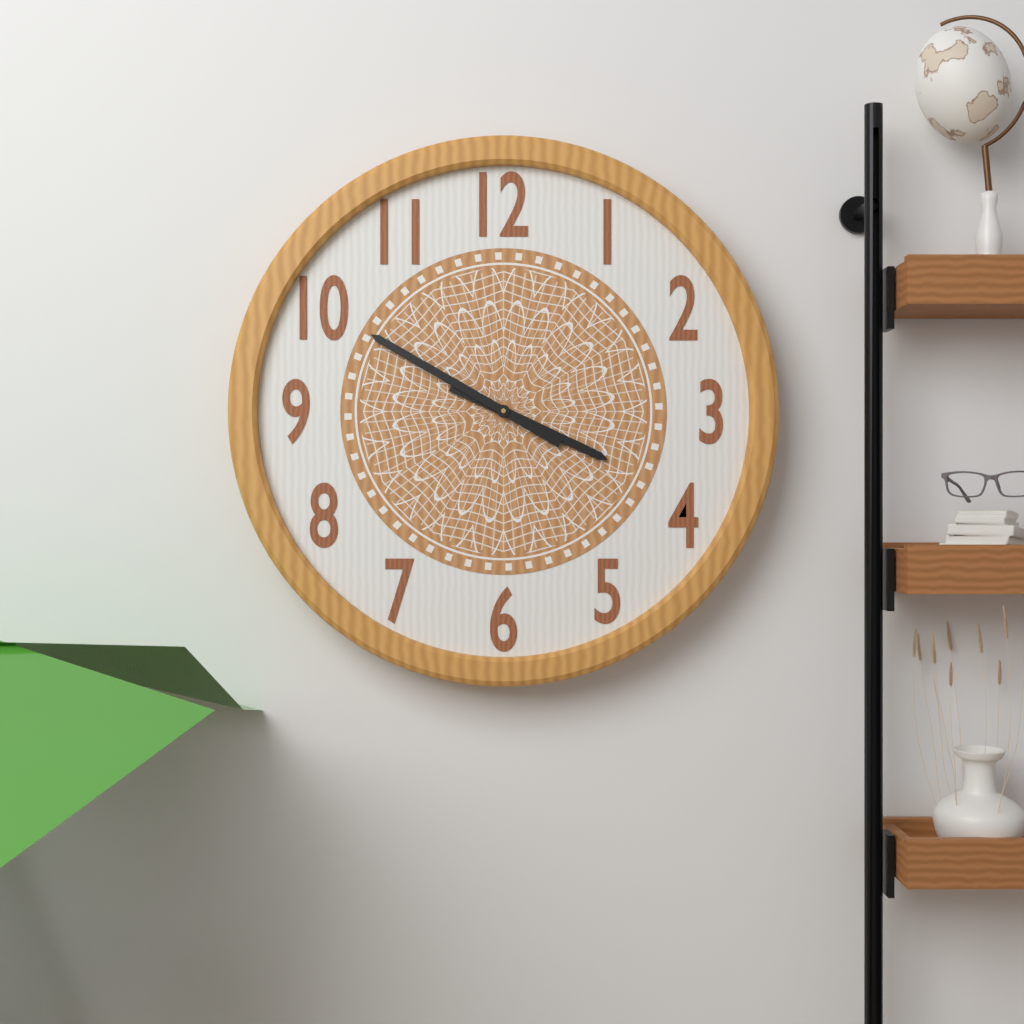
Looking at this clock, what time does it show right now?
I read 3:50
